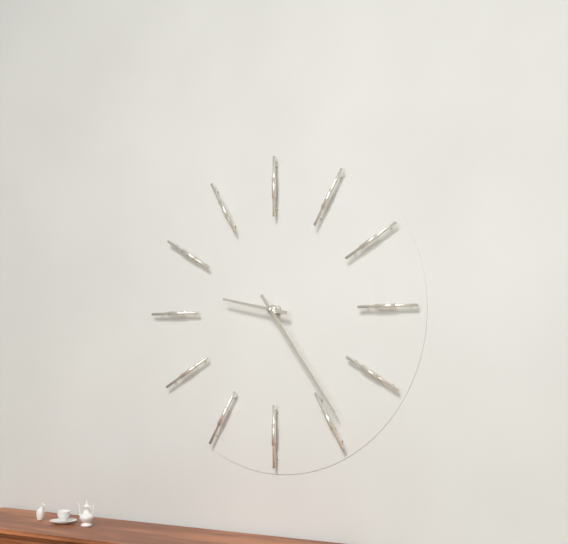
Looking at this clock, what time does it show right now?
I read 9:24
